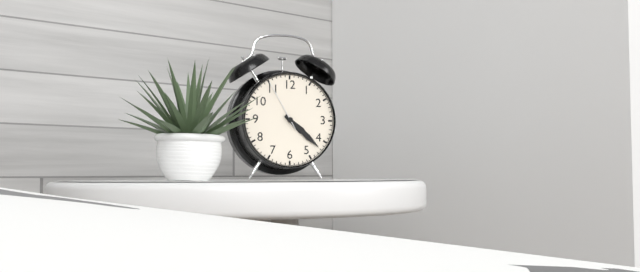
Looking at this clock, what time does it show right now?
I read 4:22:55
